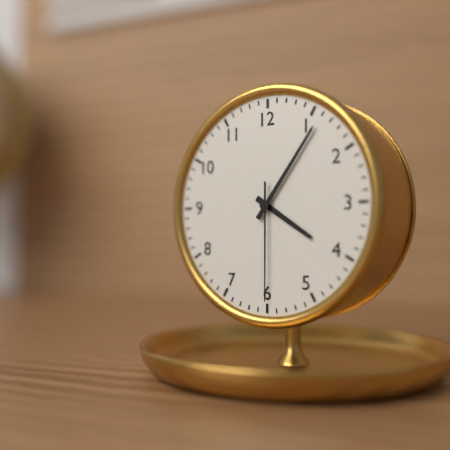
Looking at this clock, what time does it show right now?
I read 4:06:30
